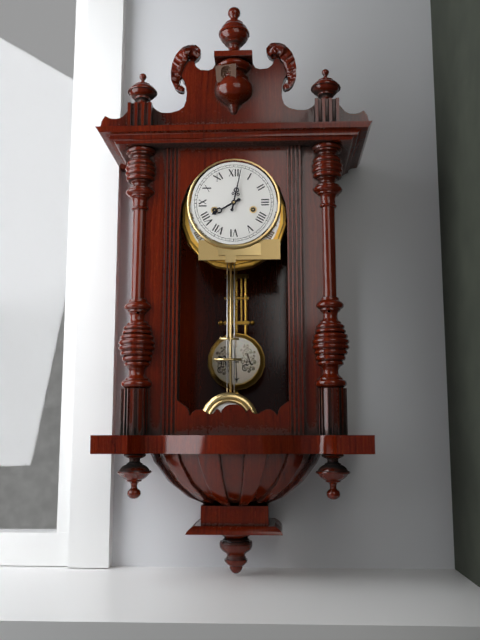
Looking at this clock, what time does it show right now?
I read 8:02
